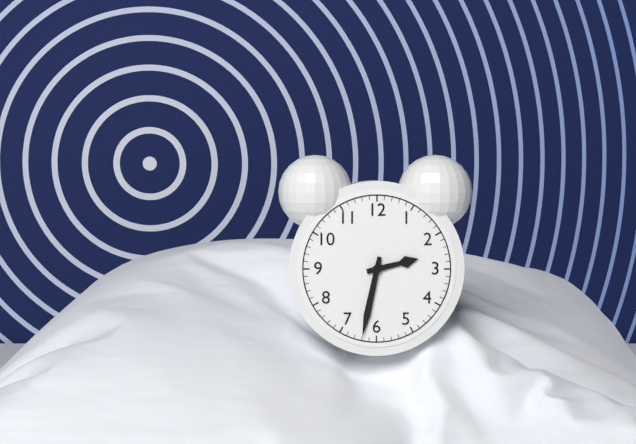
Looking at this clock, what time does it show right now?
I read 2:32
